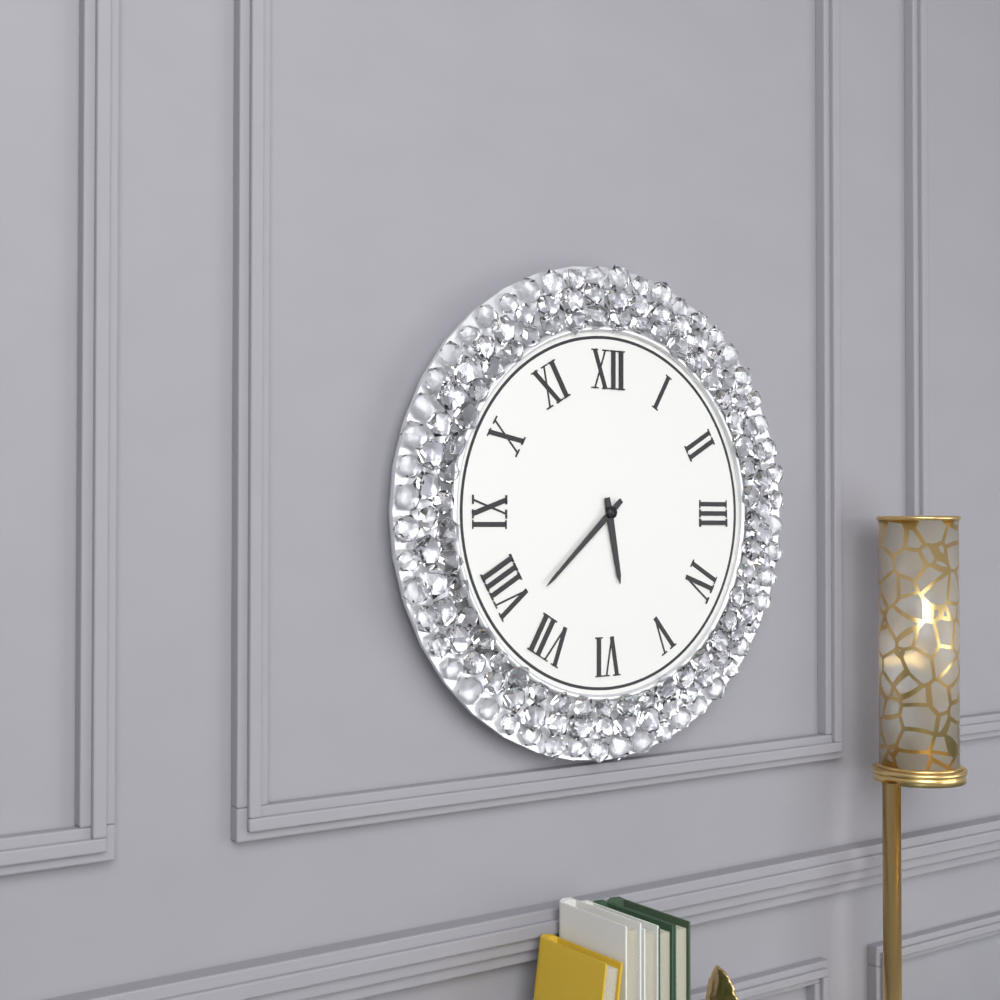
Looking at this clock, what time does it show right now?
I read 5:38
